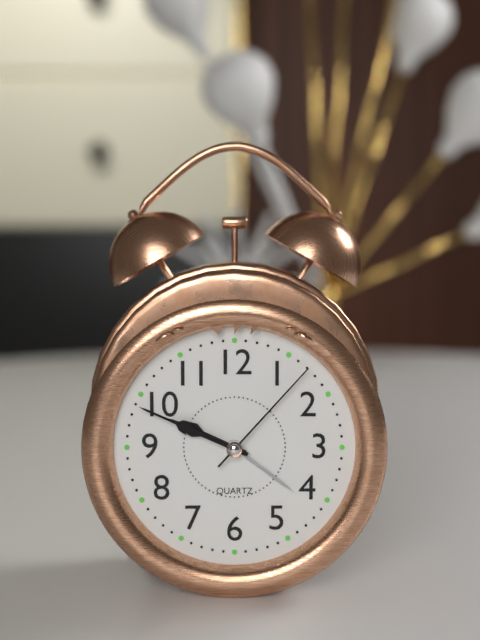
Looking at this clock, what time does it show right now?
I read 9:49:07
